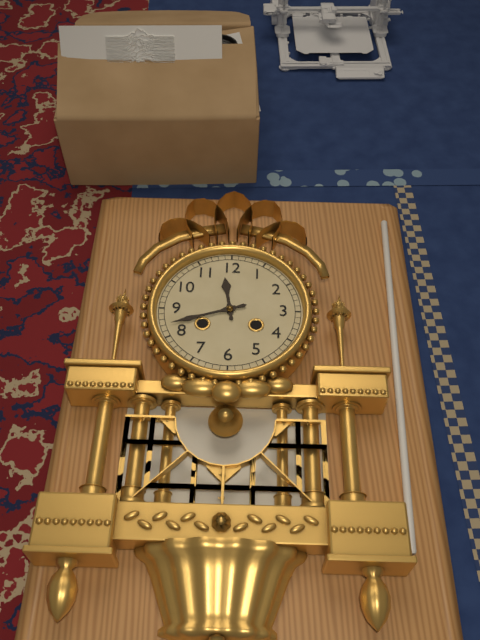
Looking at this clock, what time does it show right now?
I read 11:42
